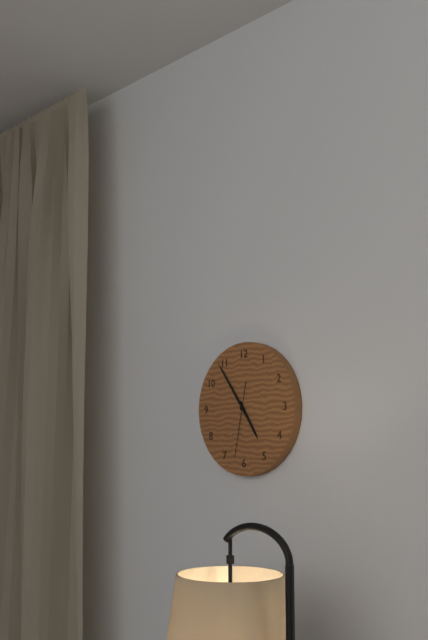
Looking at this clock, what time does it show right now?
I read 4:54:32
